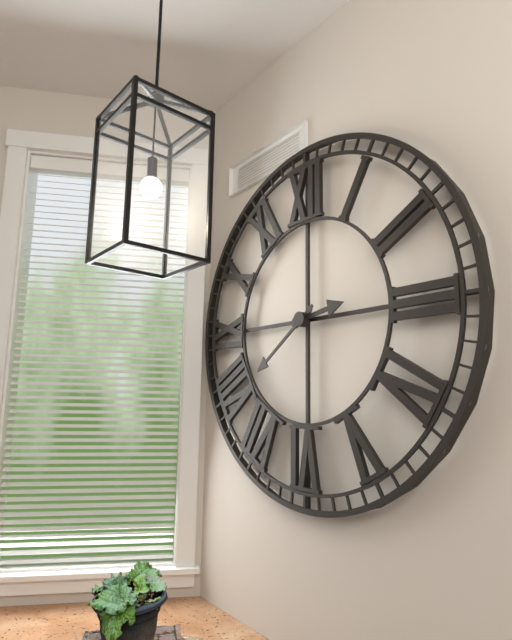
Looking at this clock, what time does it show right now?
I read 2:39
